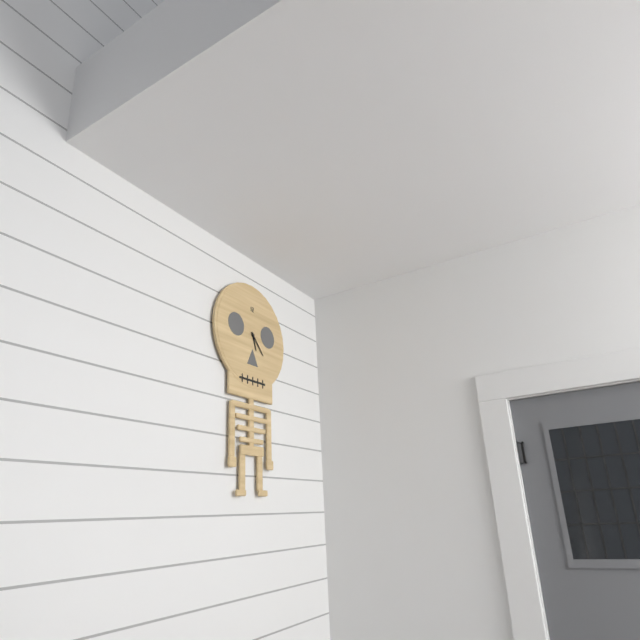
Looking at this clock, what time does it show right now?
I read 5:23
